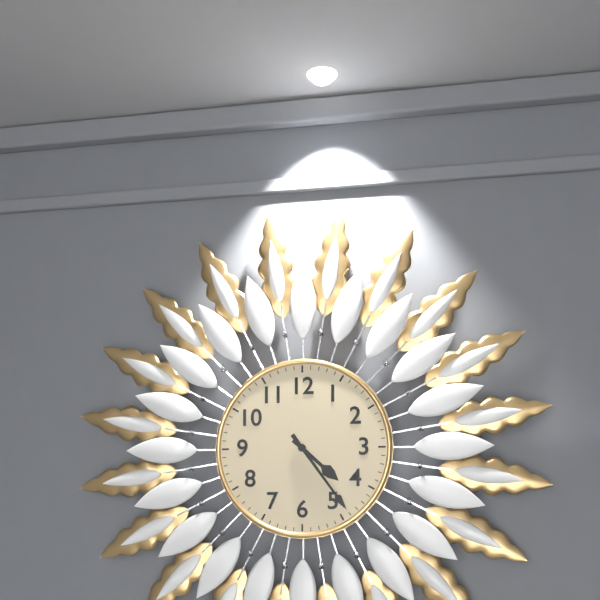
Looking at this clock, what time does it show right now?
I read 4:24
